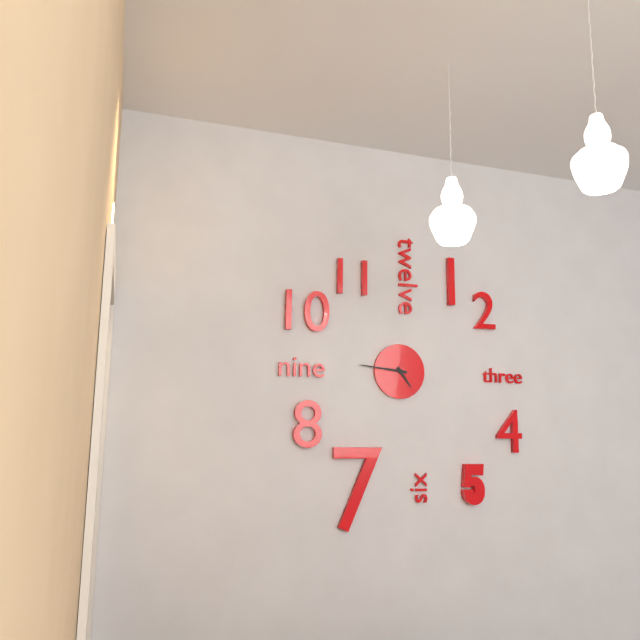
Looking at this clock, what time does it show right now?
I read 4:46
